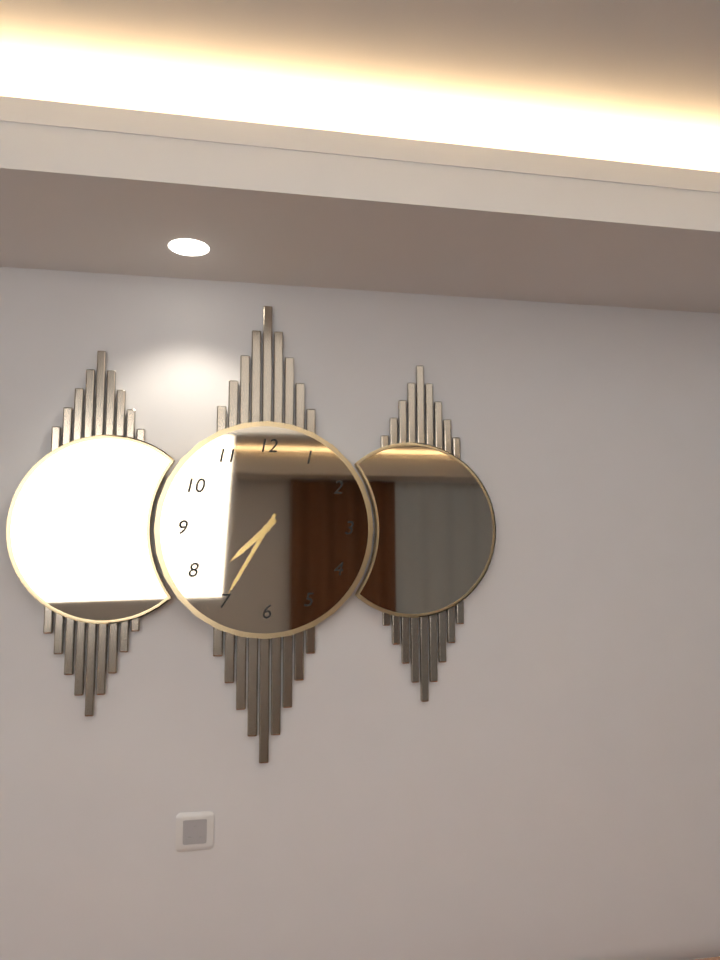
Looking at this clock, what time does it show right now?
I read 7:35
